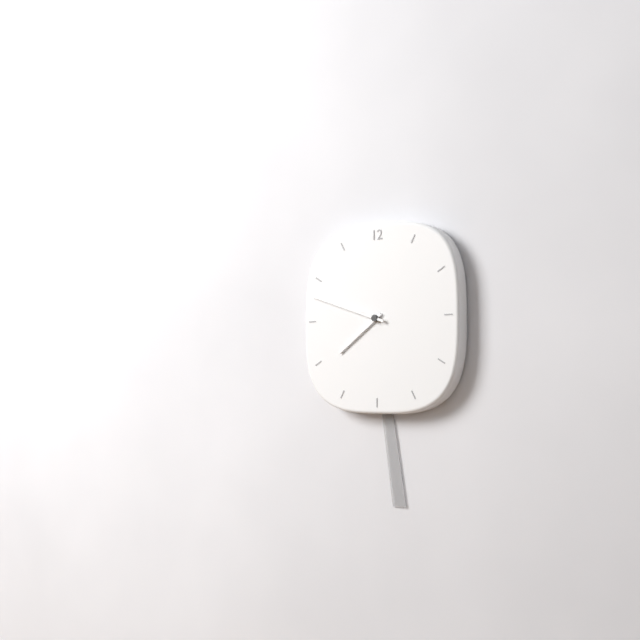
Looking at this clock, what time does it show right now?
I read 7:48
